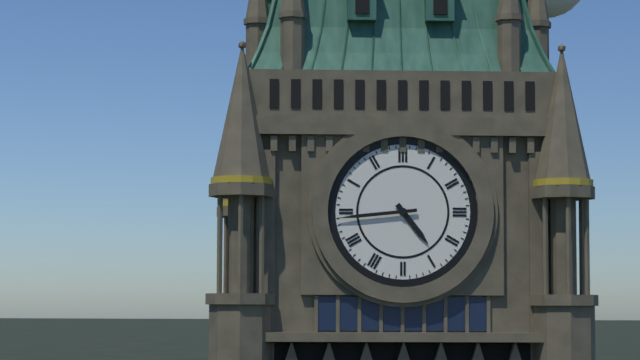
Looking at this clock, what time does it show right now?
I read 4:44
